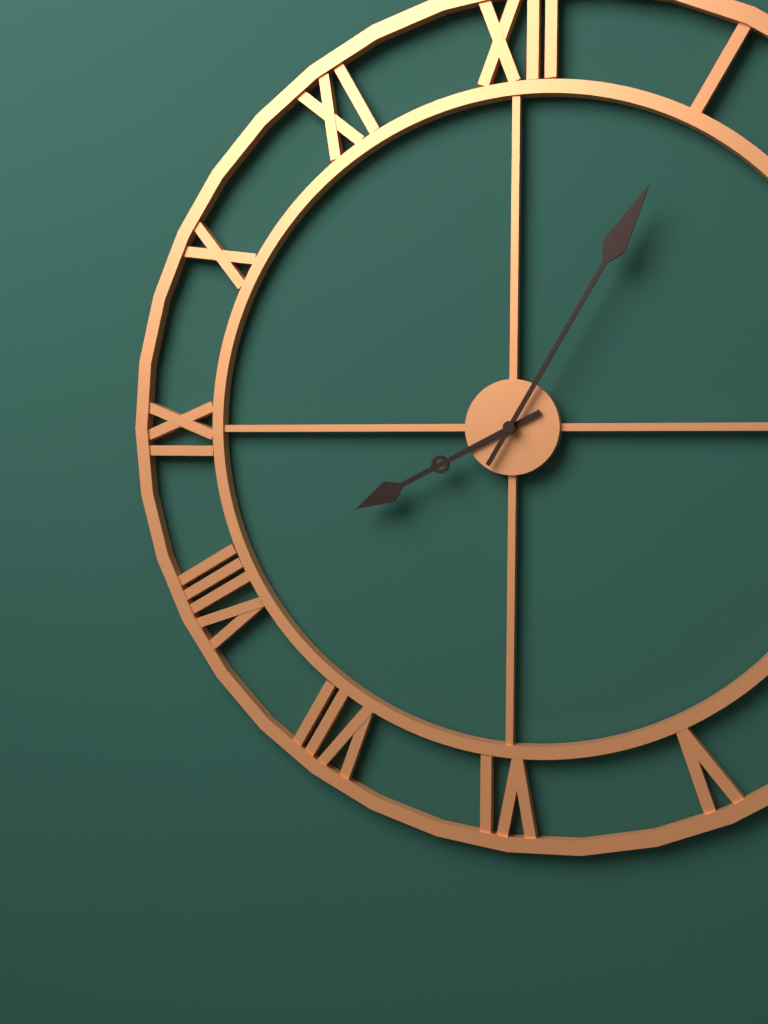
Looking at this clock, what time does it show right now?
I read 8:05
